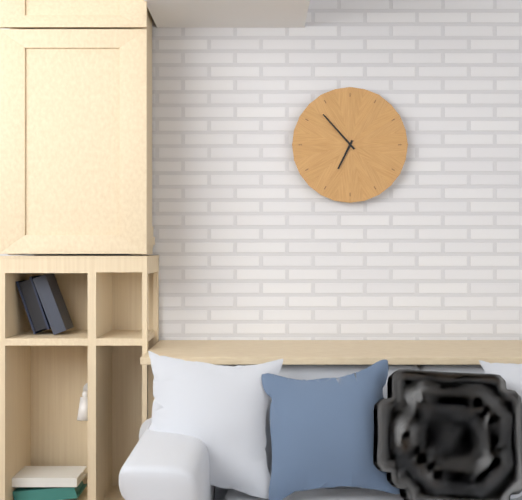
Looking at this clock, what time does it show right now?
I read 6:53
